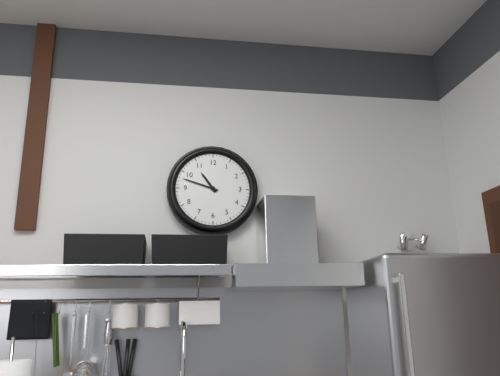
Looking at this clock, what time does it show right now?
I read 10:48
